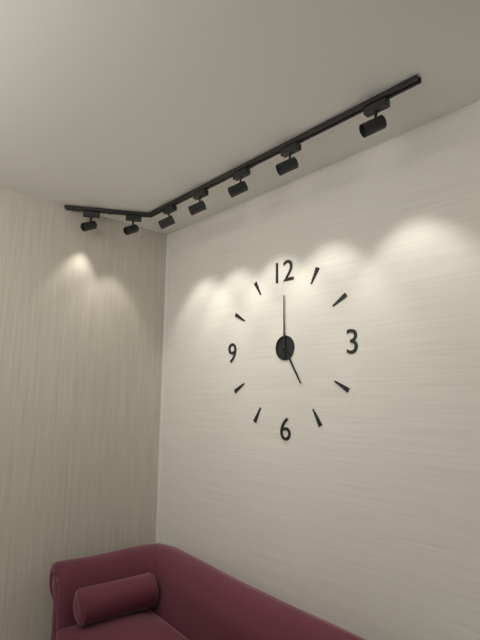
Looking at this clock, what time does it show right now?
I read 5:00
